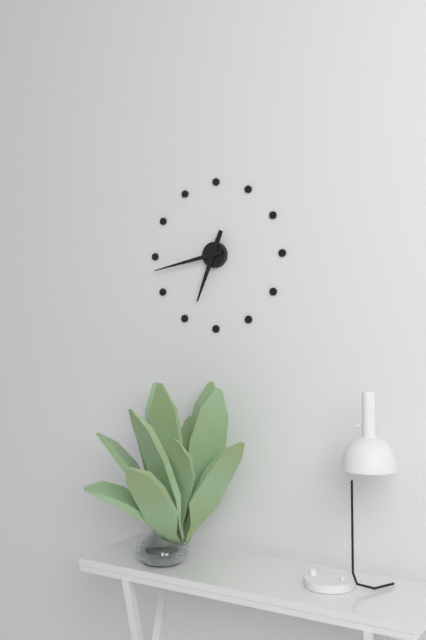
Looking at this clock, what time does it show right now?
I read 6:43
